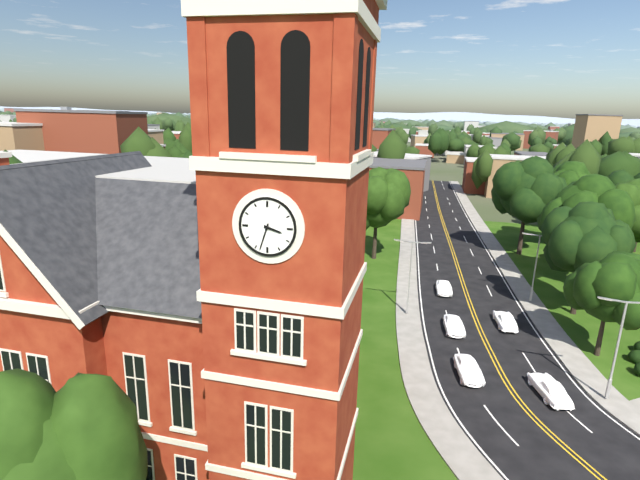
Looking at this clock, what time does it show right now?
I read 3:33
